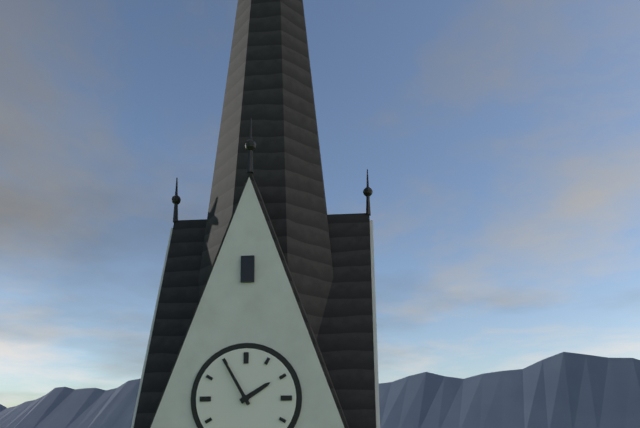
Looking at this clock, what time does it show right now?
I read 1:55
